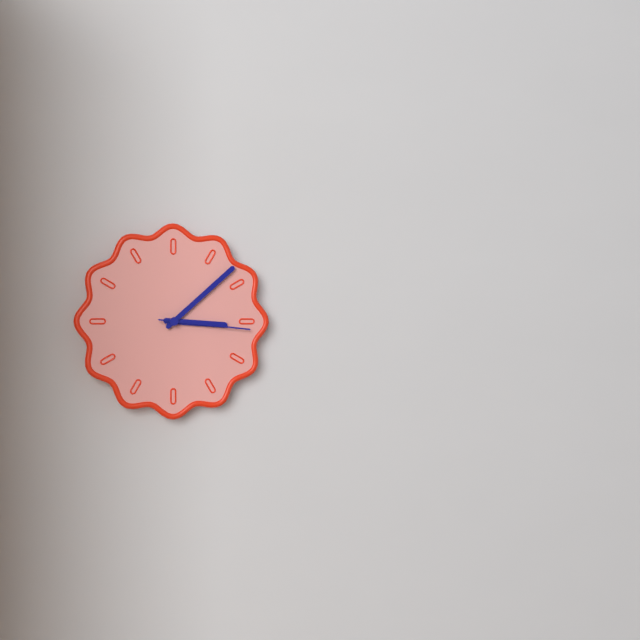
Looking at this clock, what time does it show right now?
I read 3:08:16
